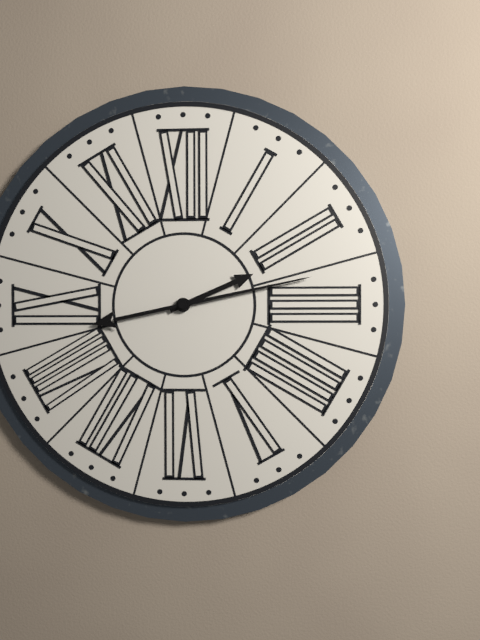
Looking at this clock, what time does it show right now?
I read 2:13
